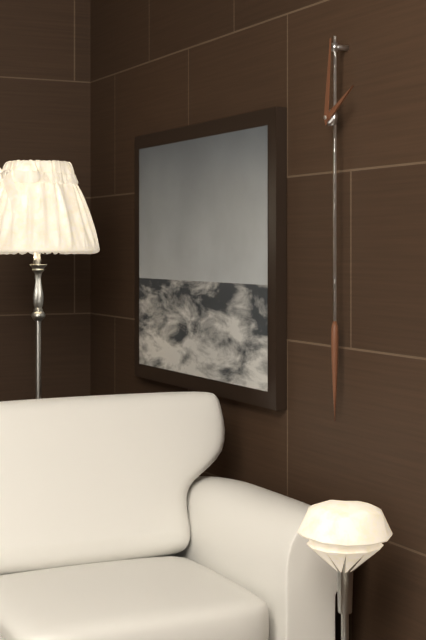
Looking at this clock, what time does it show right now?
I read 2:01
